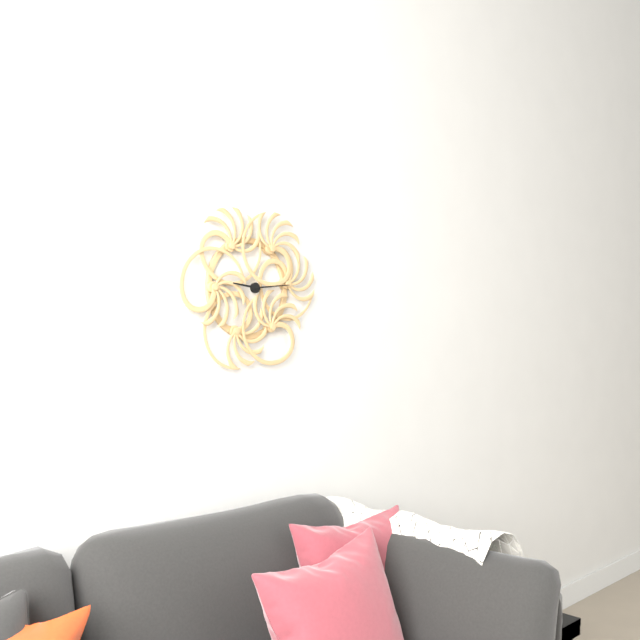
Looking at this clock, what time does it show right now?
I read 9:14
